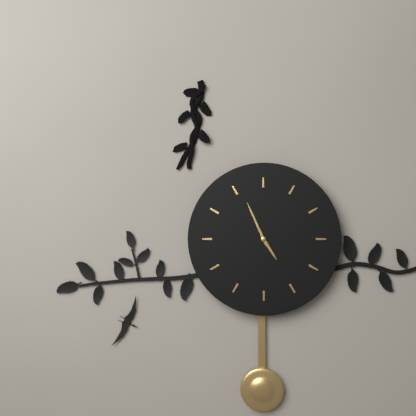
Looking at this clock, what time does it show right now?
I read 4:56
